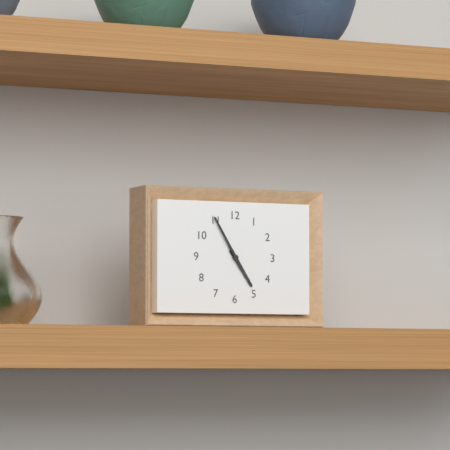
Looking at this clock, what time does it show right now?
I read 4:55
